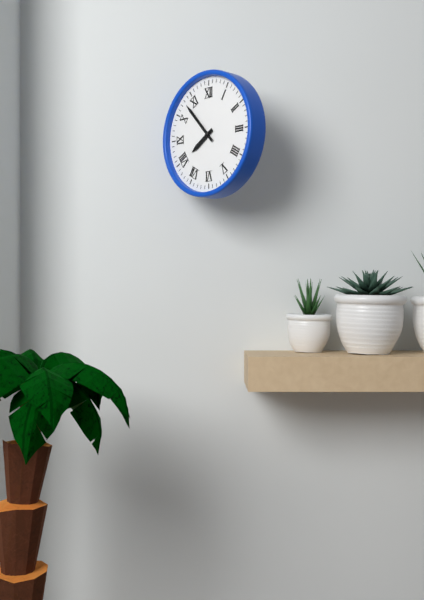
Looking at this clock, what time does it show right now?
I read 7:53
